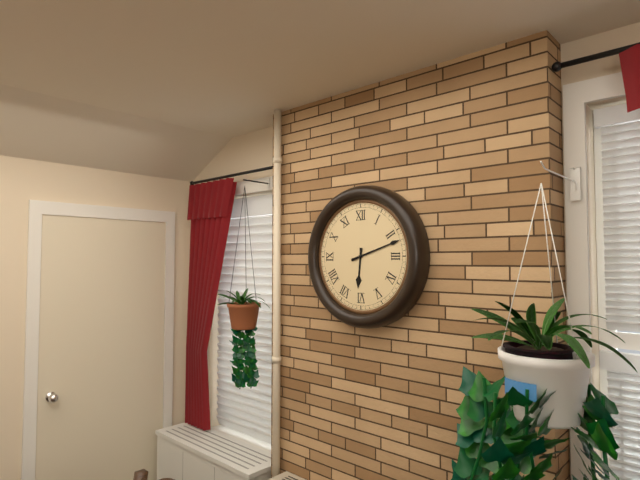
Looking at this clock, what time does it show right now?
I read 6:12
